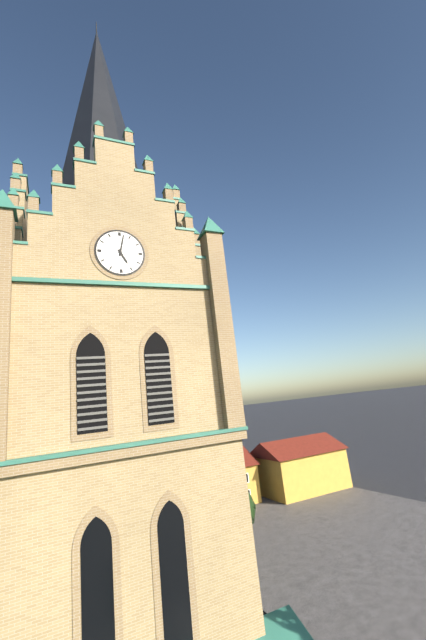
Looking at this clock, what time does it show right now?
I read 5:02
